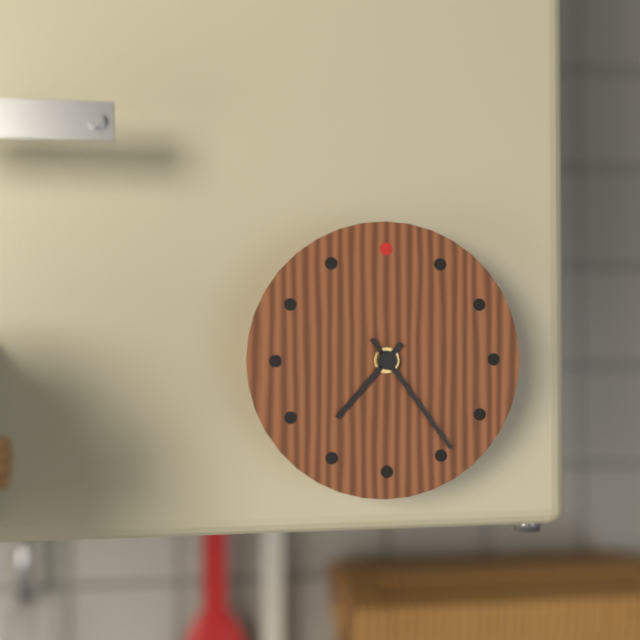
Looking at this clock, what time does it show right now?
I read 7:24
